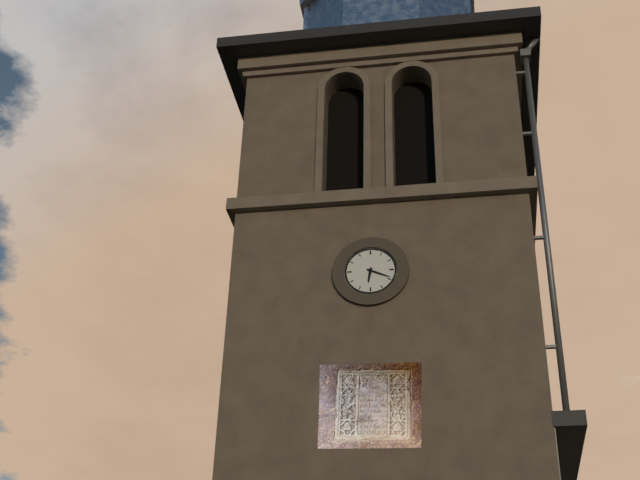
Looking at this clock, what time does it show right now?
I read 6:19
